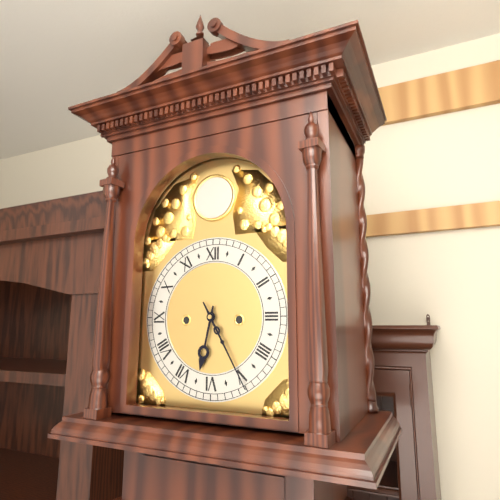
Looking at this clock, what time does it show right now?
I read 6:25
